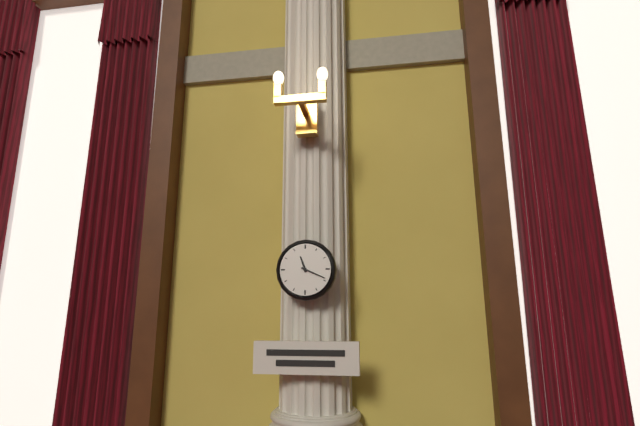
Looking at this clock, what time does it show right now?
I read 11:19
